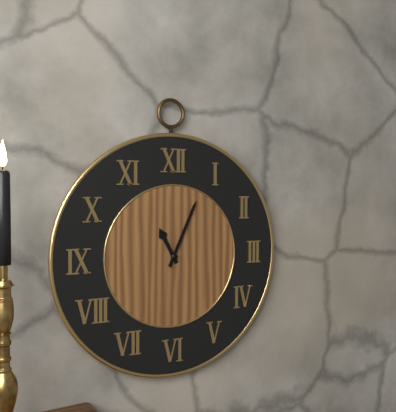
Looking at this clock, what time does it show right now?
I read 11:04
